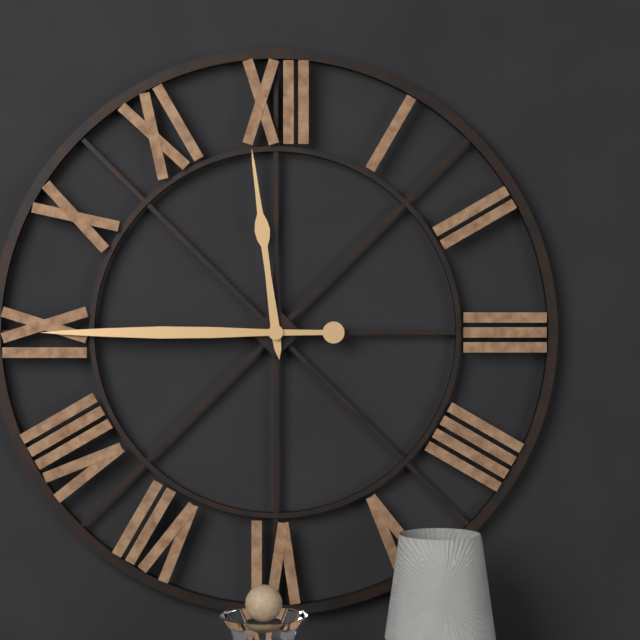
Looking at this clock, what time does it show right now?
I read 11:45
